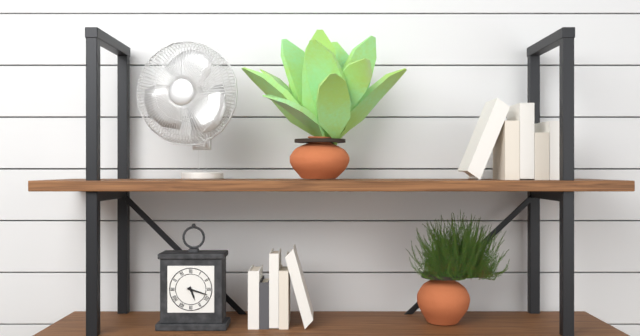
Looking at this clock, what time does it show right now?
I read 5:18
